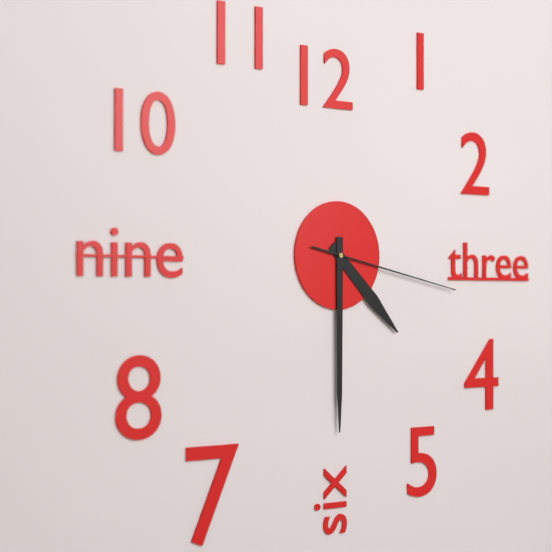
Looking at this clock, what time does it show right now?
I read 4:30:17
